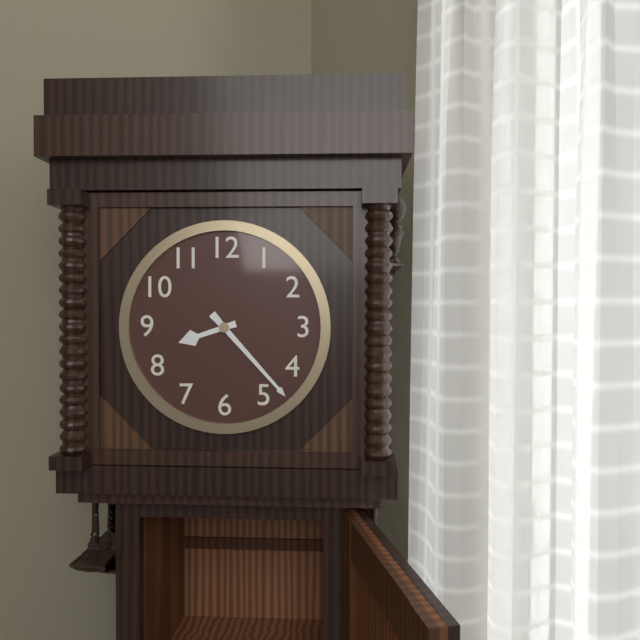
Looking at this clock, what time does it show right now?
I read 8:23
